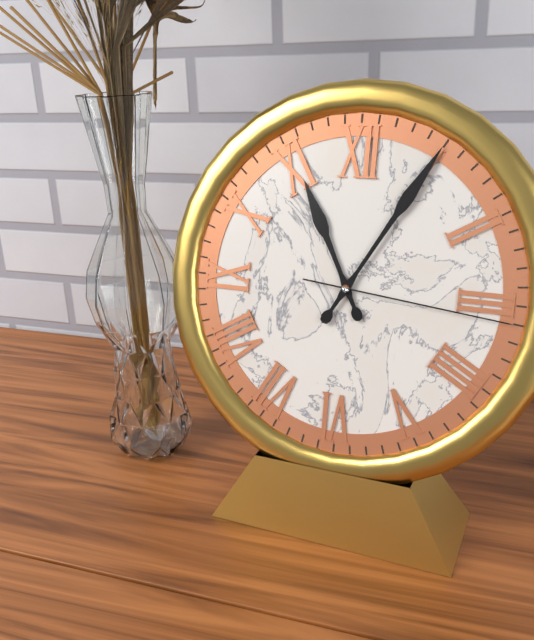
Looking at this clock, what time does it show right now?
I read 11:05:16
